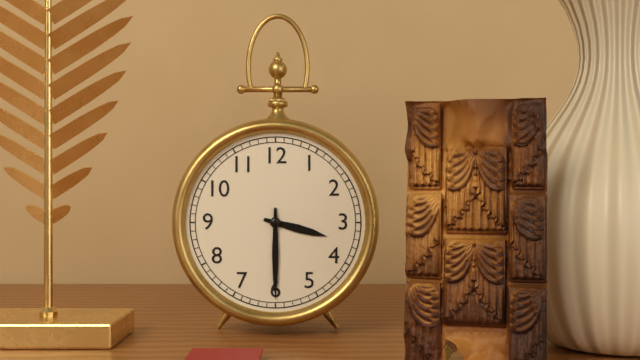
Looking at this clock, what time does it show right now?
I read 3:30
